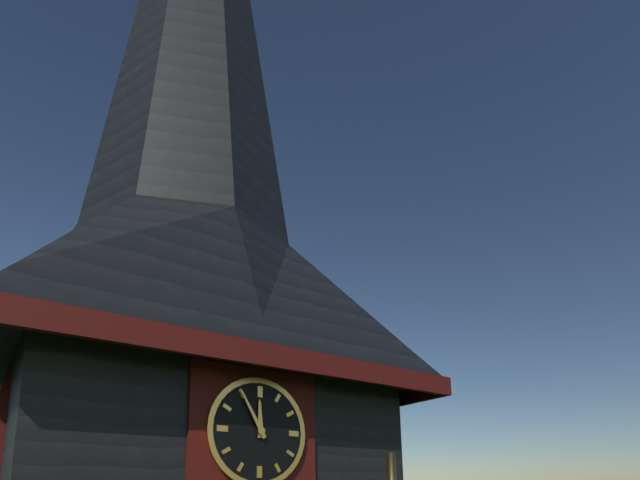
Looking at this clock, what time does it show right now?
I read 11:55
